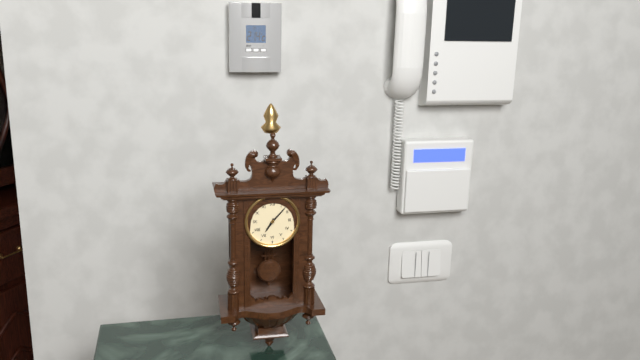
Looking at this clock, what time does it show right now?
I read 7:07
